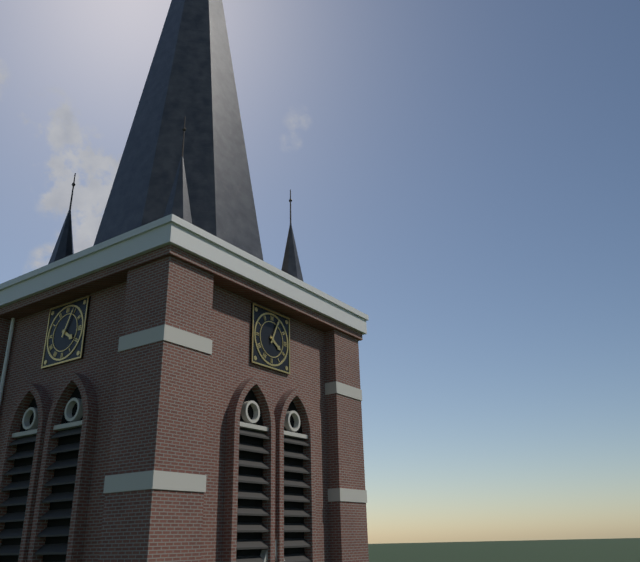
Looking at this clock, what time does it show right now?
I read 4:04
